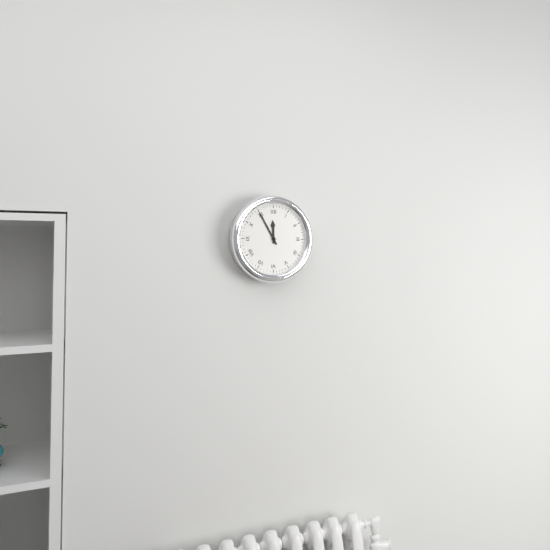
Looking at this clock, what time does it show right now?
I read 11:55
